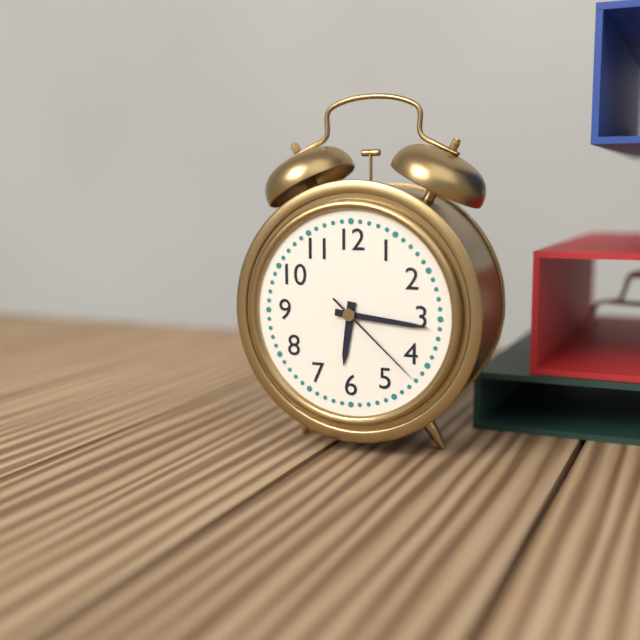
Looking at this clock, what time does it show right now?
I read 6:16:22
